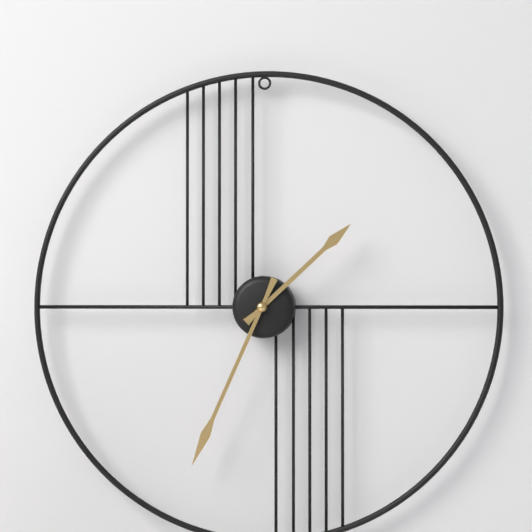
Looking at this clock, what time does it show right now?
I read 1:34
